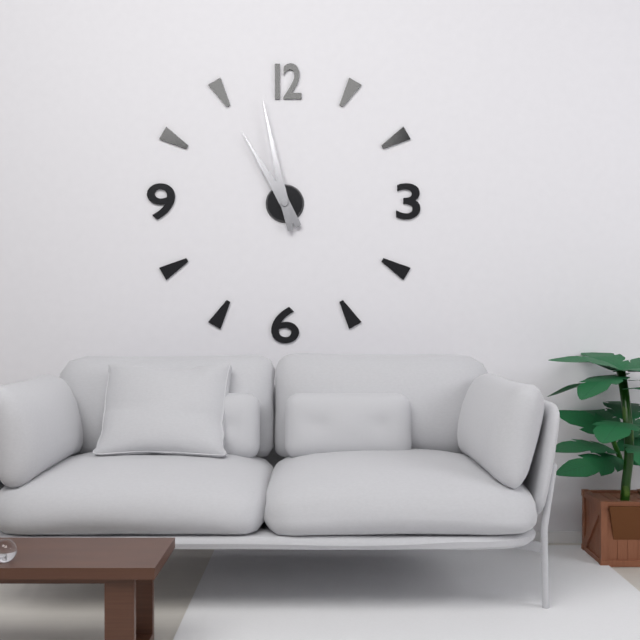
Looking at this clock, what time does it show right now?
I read 10:58
